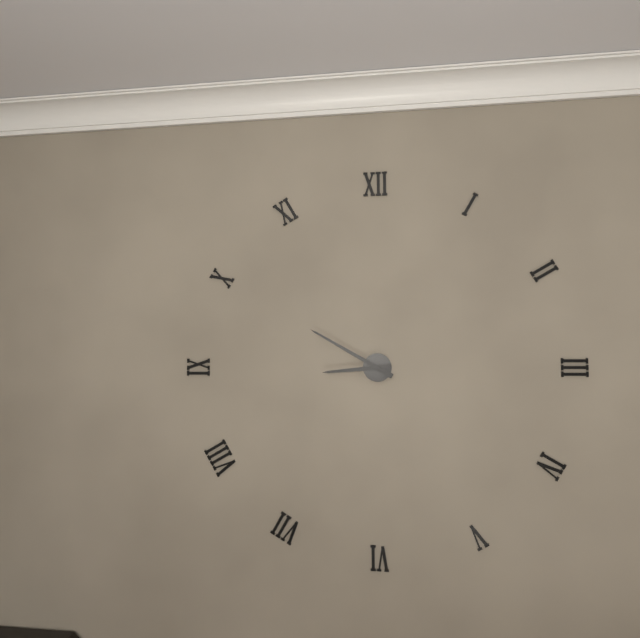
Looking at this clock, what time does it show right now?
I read 8:50
